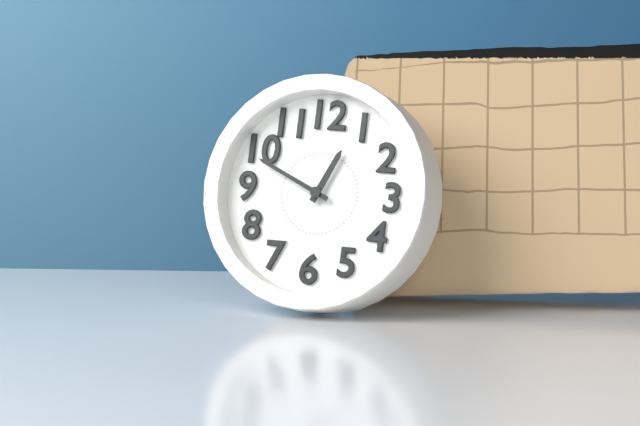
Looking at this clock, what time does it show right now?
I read 12:49
